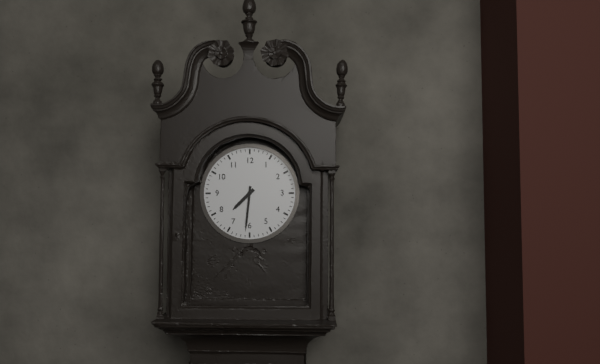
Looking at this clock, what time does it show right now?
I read 7:31
